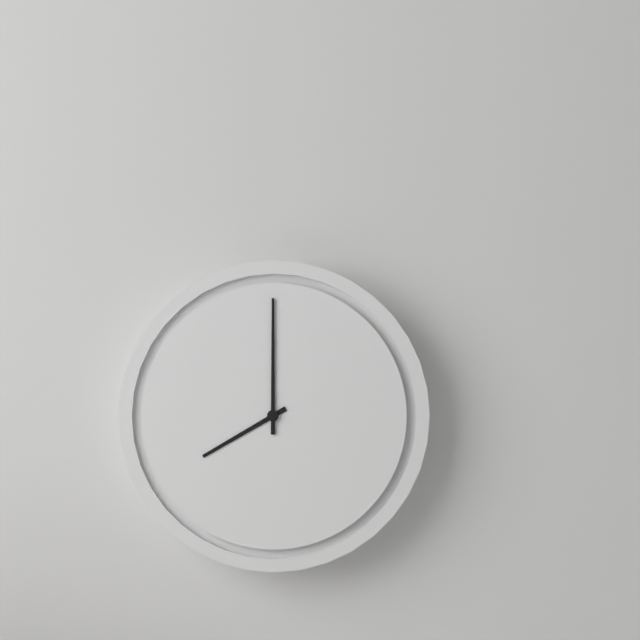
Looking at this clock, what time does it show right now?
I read 8:00
